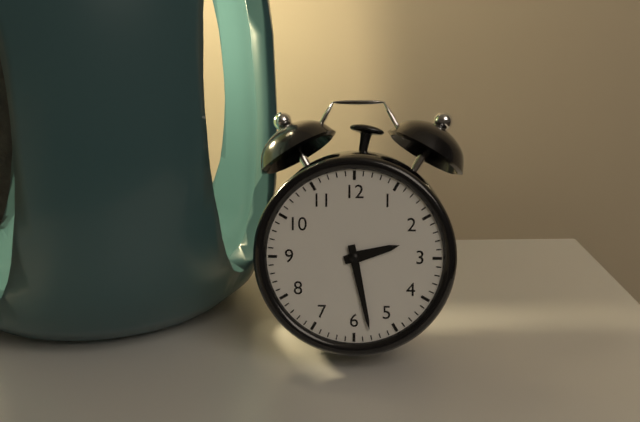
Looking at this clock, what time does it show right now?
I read 2:28
